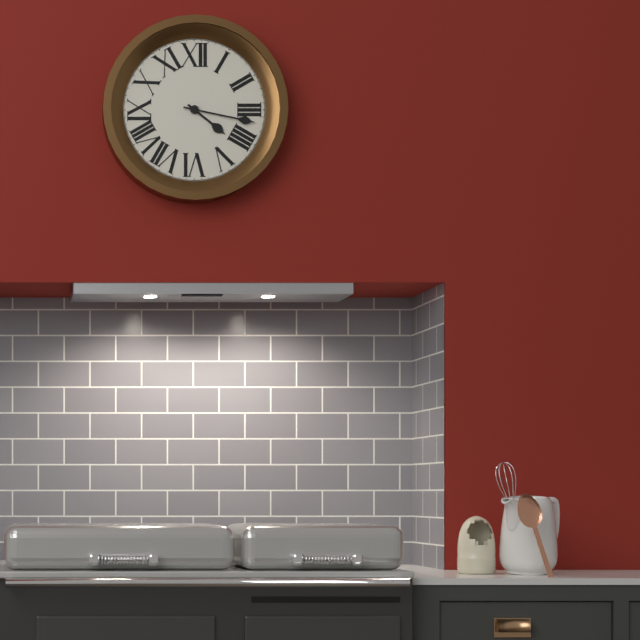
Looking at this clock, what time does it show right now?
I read 4:17
